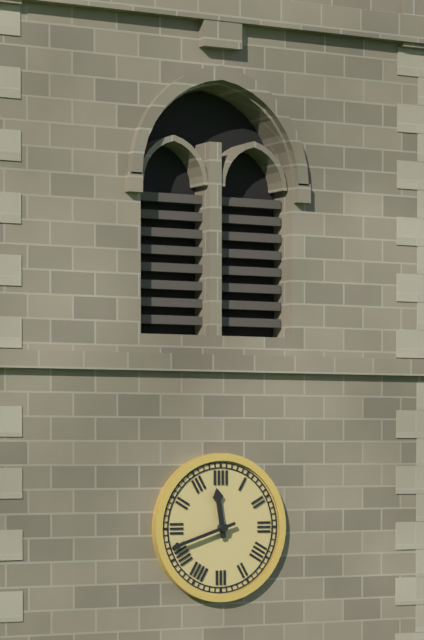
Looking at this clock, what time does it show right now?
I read 11:42
